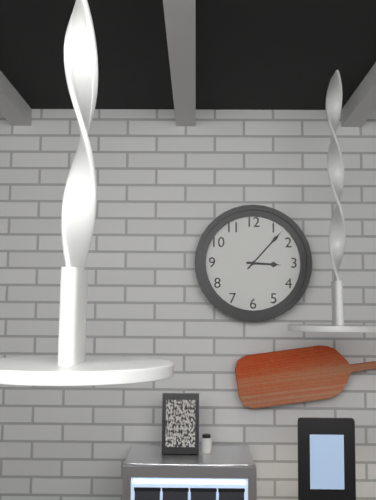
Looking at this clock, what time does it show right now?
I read 3:07
